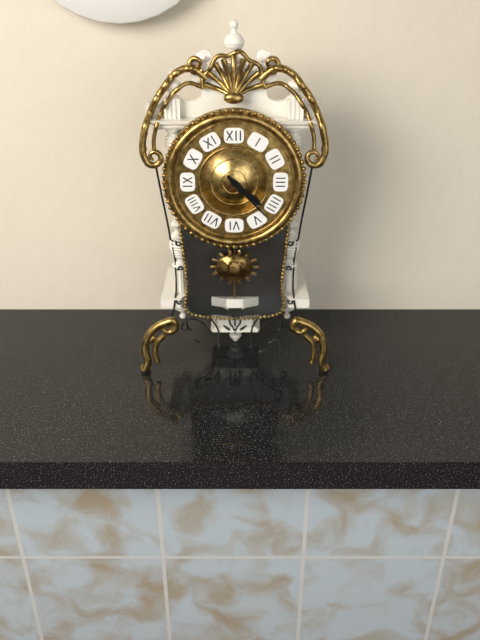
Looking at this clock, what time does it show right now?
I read 4:23
